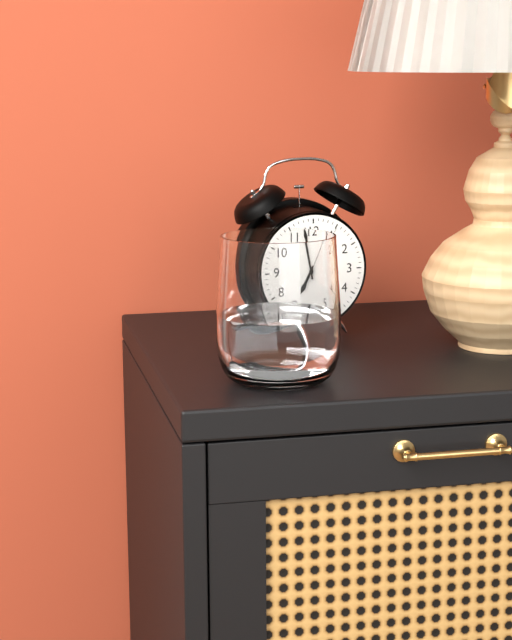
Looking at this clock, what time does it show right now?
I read 6:58:05
